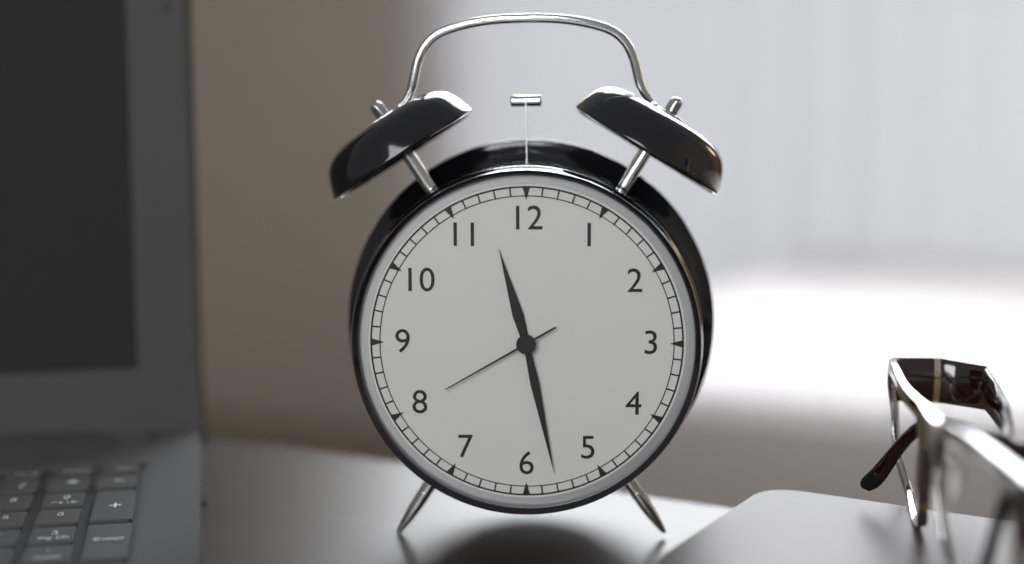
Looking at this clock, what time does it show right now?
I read 11:28:40
